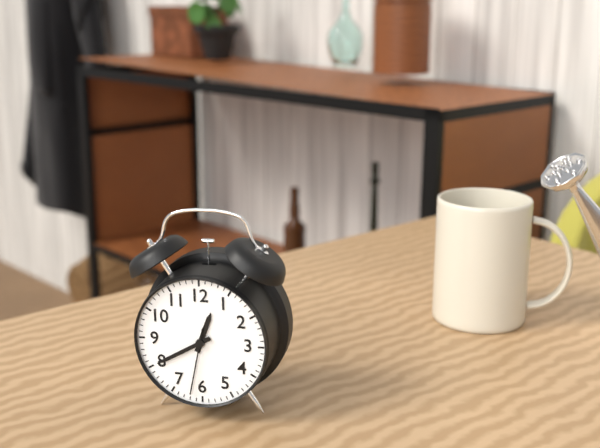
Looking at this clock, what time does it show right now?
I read 12:40:32
